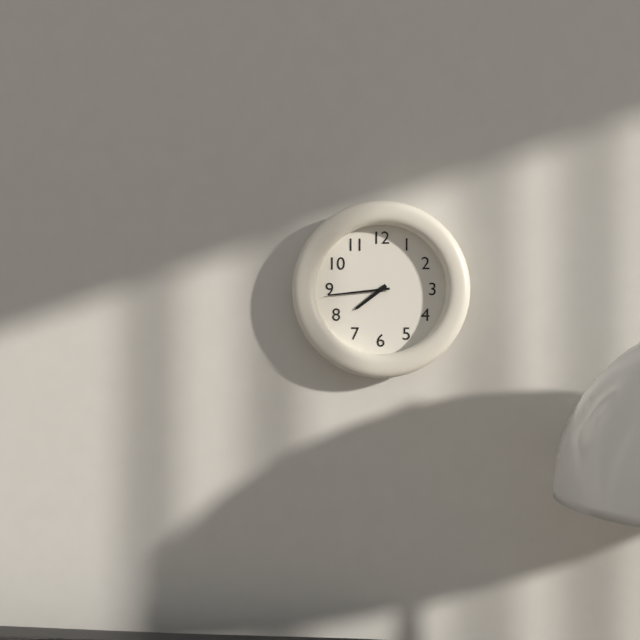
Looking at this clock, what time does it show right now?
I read 7:44
